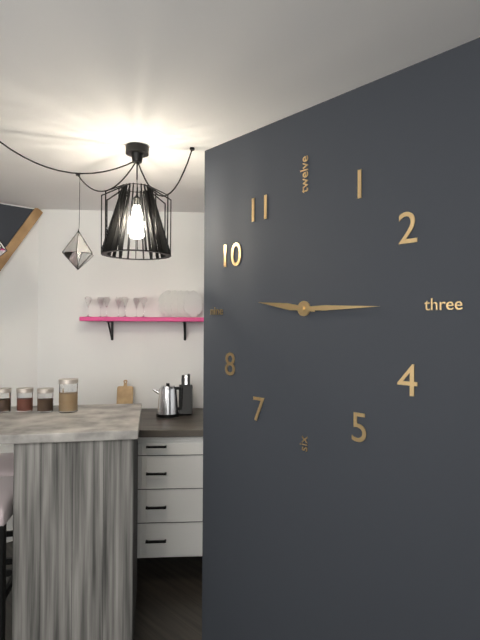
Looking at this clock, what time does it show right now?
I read 9:15
